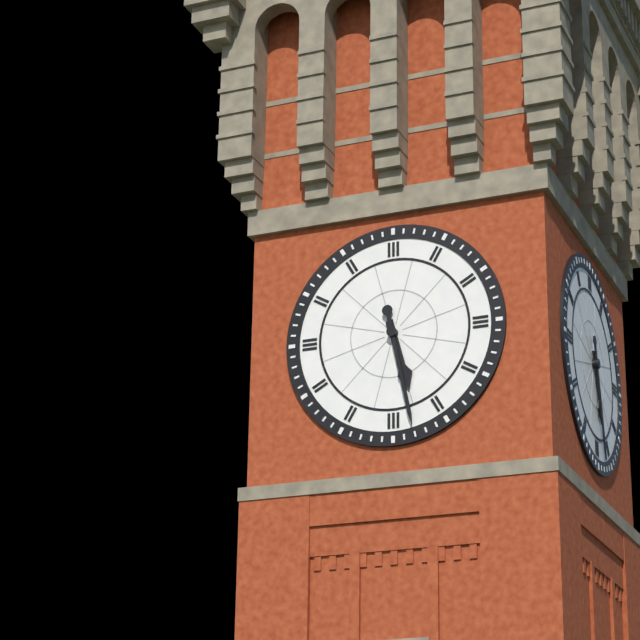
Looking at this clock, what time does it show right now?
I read 5:28
